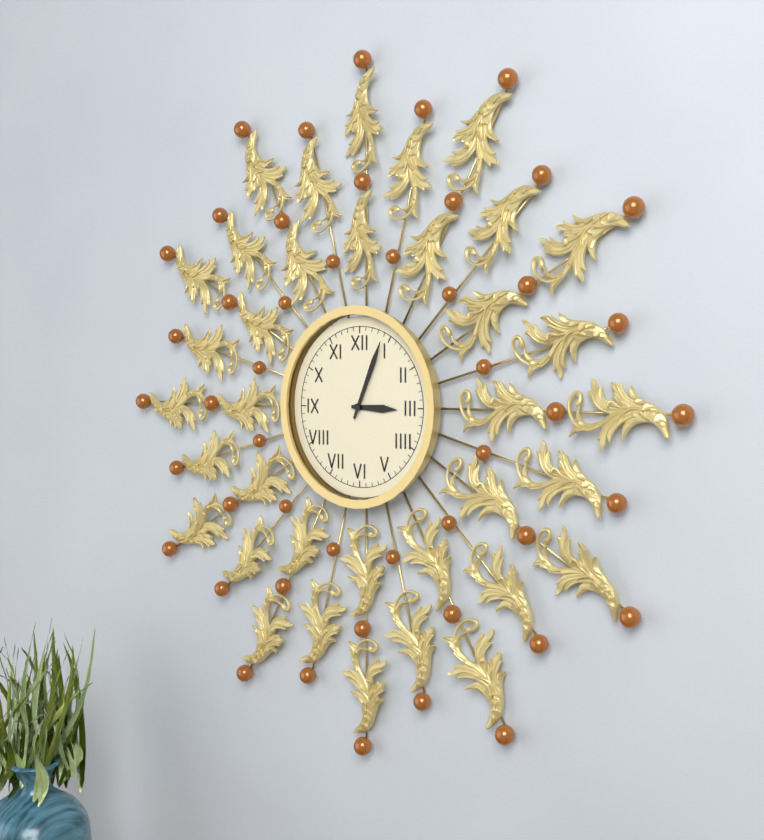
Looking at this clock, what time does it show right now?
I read 3:04
